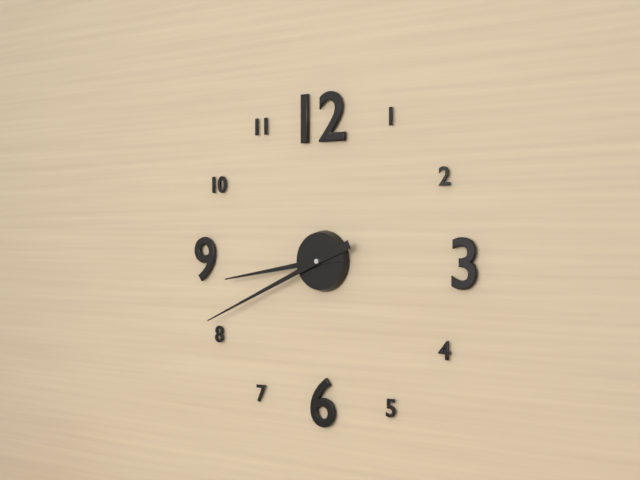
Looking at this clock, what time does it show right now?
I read 8:41
